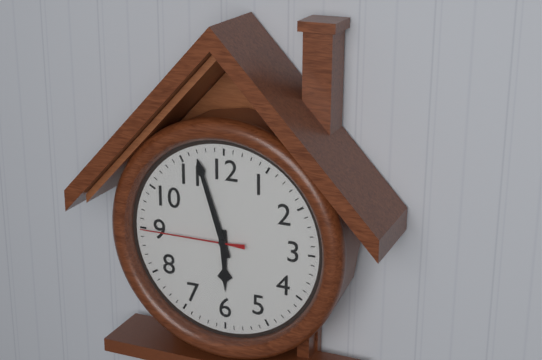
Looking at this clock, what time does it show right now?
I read 5:57:45
